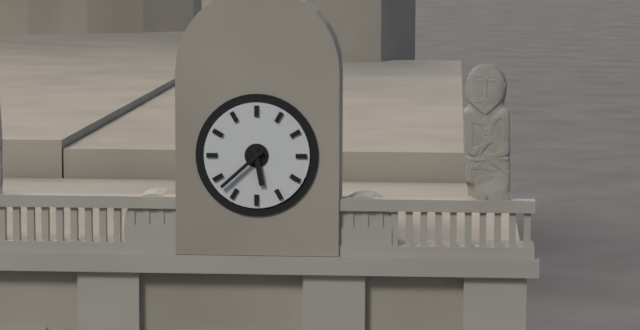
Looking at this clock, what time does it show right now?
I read 5:38
